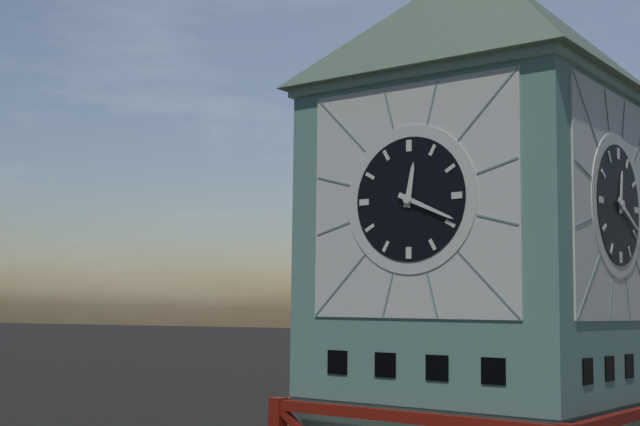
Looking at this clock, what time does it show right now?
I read 12:19
